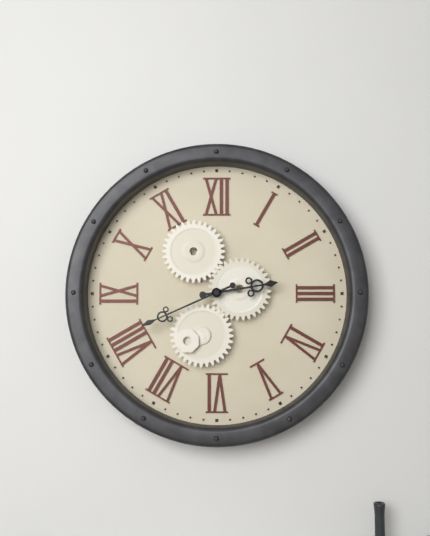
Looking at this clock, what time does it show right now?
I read 2:41
